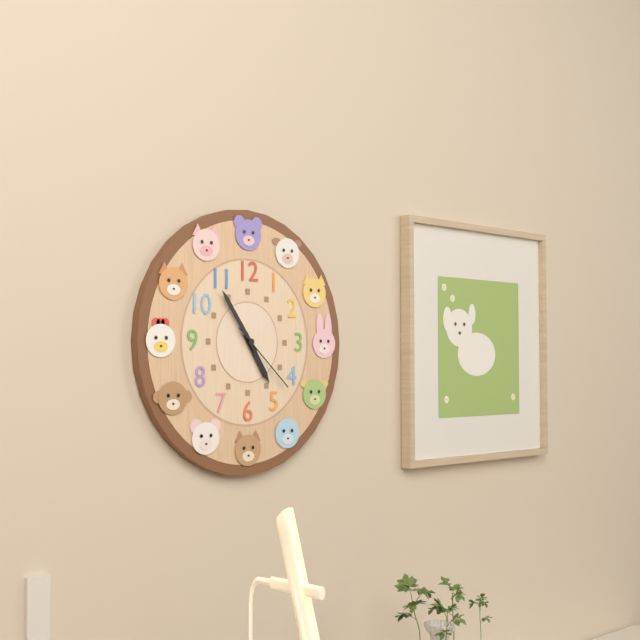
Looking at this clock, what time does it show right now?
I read 4:54:22
